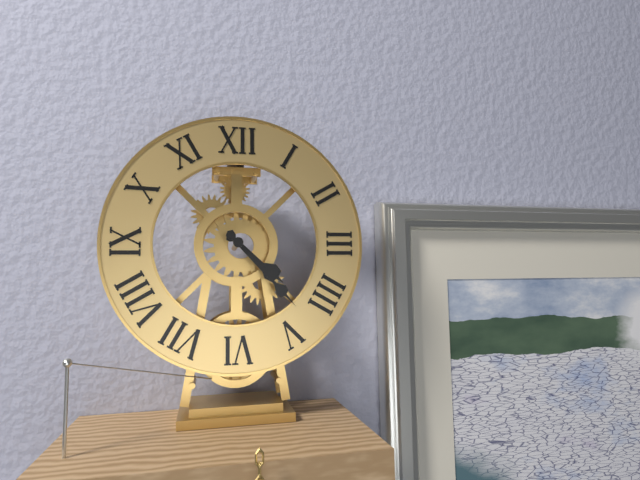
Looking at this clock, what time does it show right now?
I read 4:23
